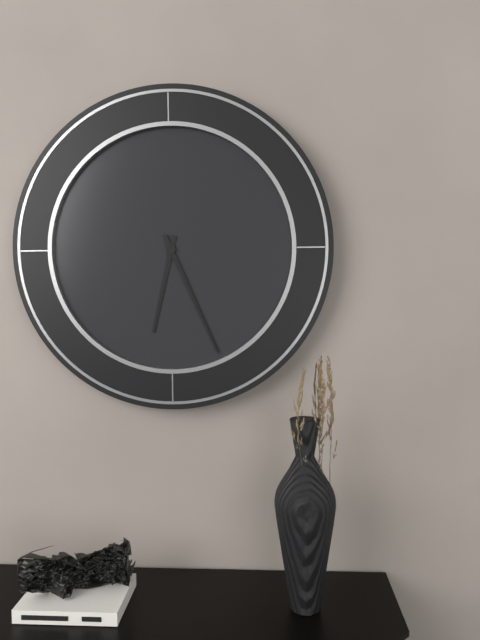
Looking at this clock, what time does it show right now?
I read 6:26
